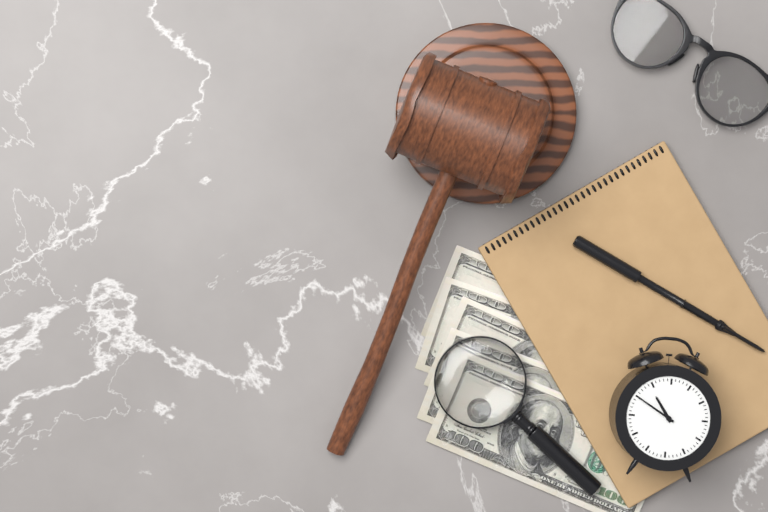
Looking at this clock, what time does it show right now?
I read 10:50
